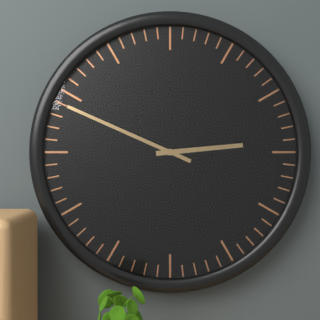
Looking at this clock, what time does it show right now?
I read 2:49
